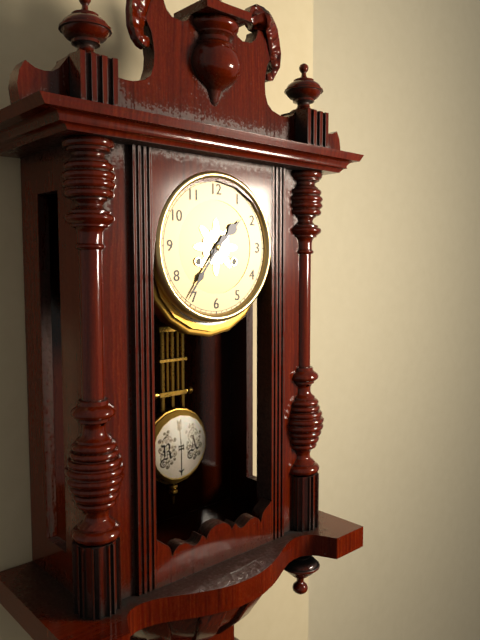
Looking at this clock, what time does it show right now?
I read 1:36
